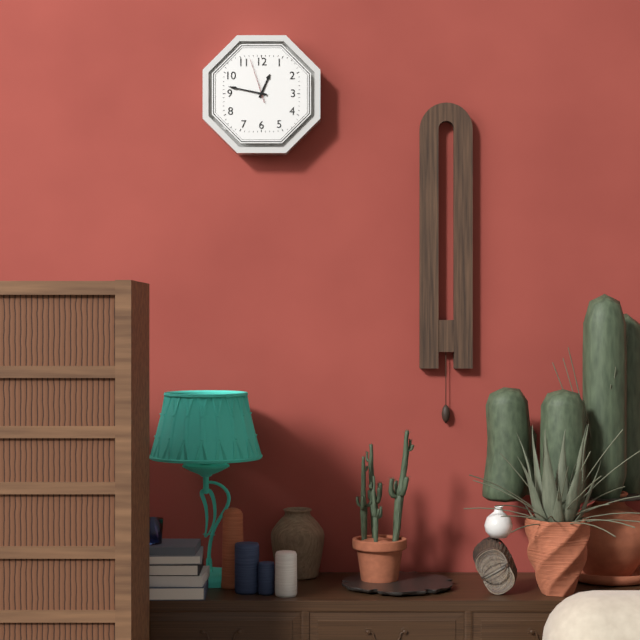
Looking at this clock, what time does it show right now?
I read 12:47
